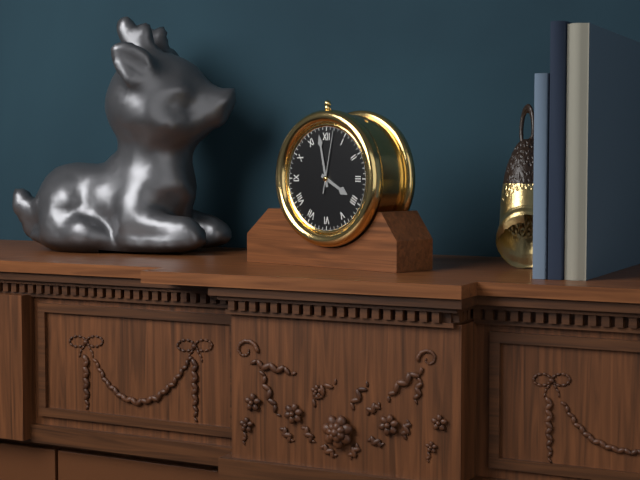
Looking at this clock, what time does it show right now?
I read 3:58:02
